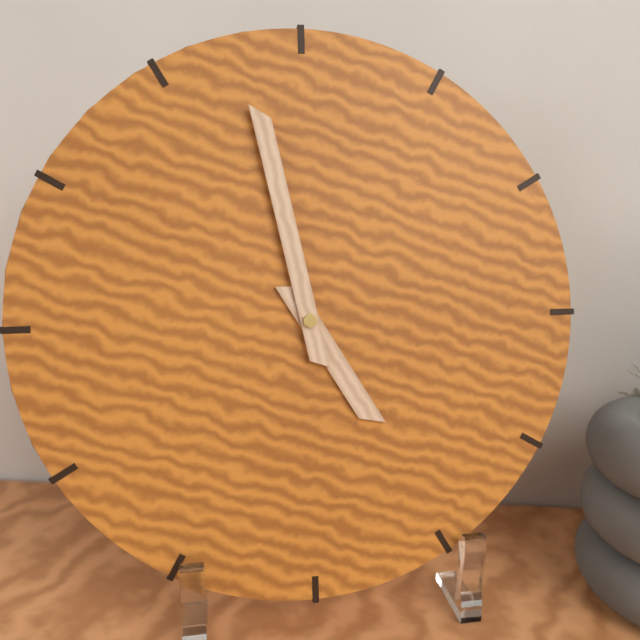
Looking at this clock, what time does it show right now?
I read 4:58
